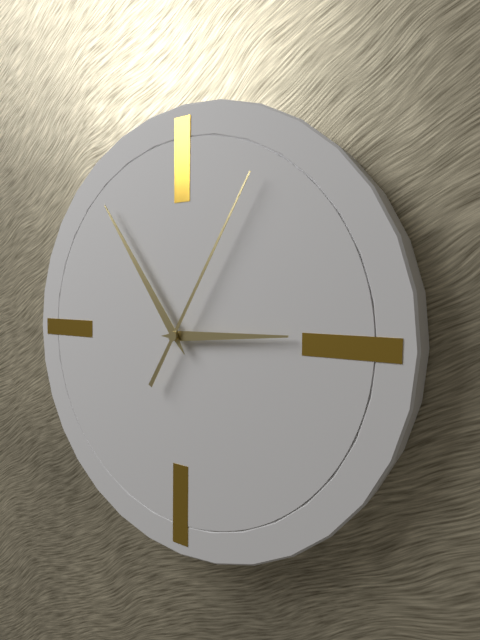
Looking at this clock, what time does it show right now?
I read 2:54:05
